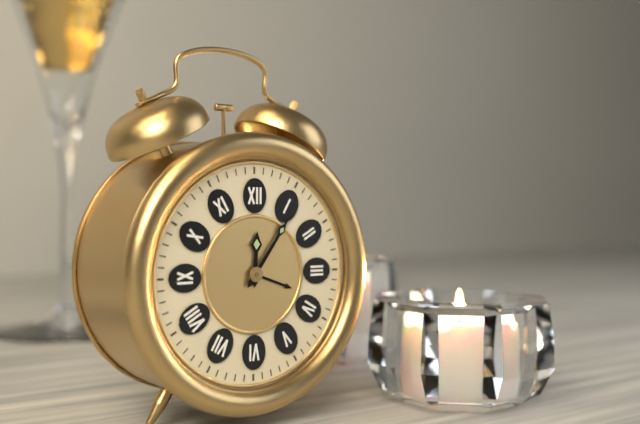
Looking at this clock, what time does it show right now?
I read 12:06
